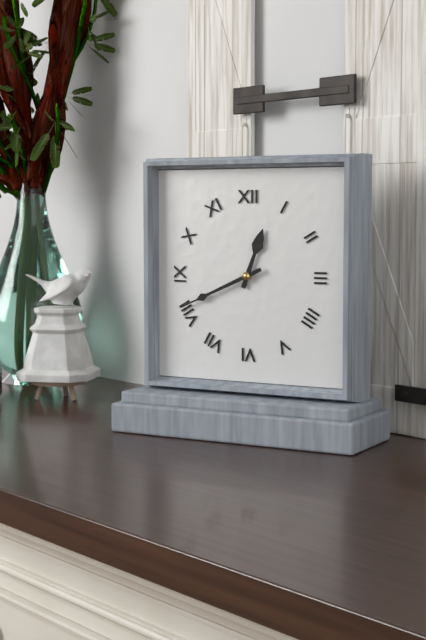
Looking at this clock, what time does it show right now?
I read 12:41
